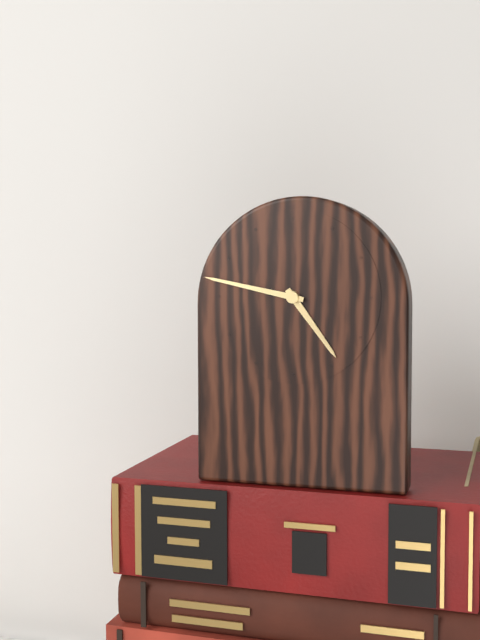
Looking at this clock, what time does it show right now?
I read 4:47
